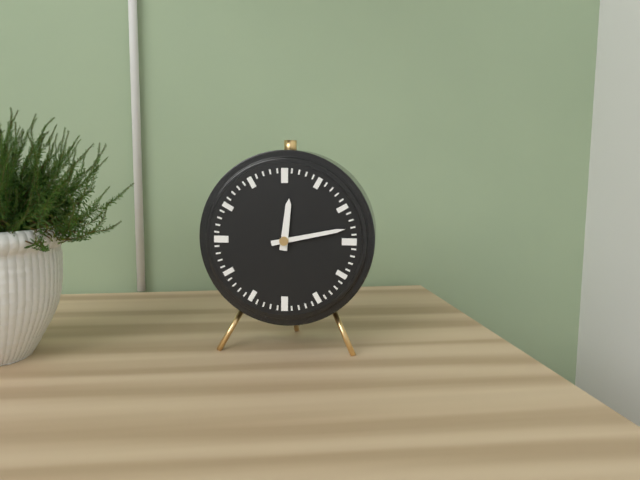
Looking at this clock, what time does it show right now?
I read 12:13
